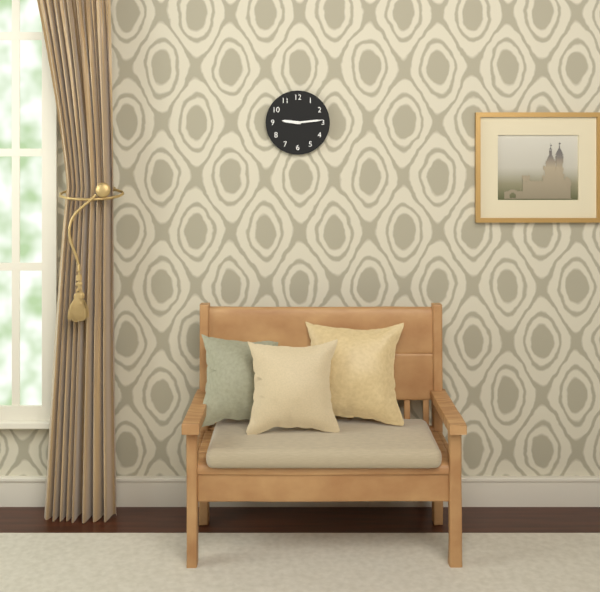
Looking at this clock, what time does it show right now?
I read 9:14
